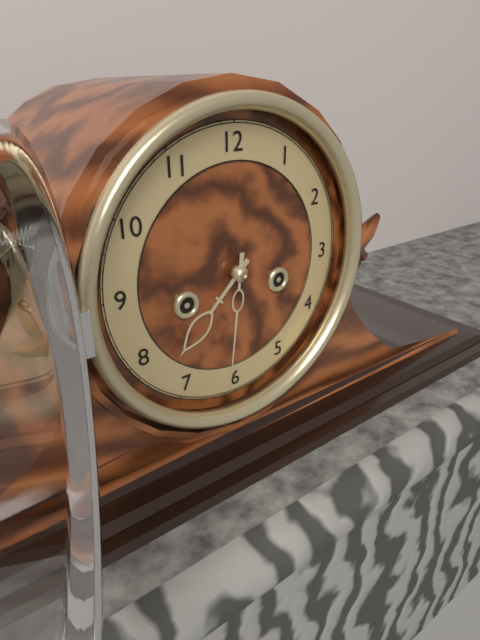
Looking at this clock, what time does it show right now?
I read 7:31
